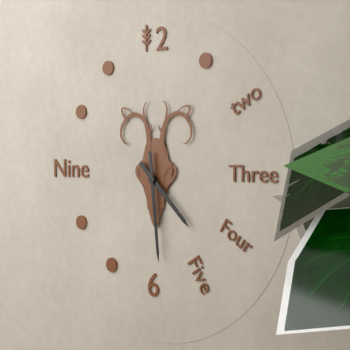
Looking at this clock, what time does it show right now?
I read 4:29
